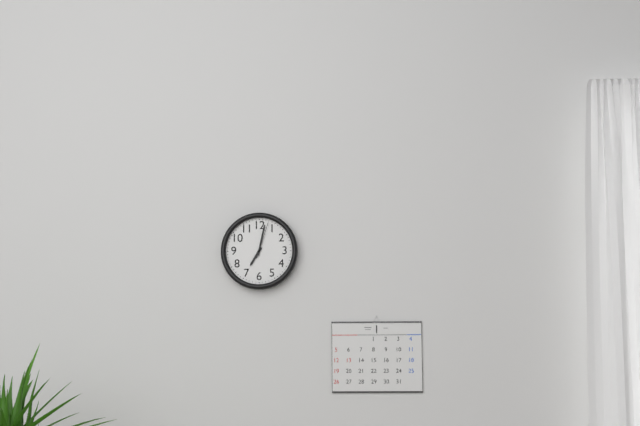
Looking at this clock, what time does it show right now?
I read 7:02
